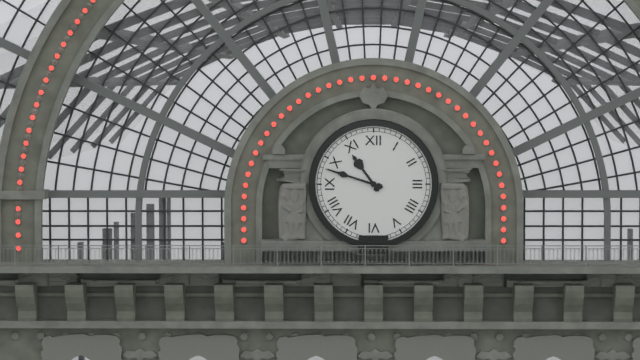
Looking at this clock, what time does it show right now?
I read 10:48
